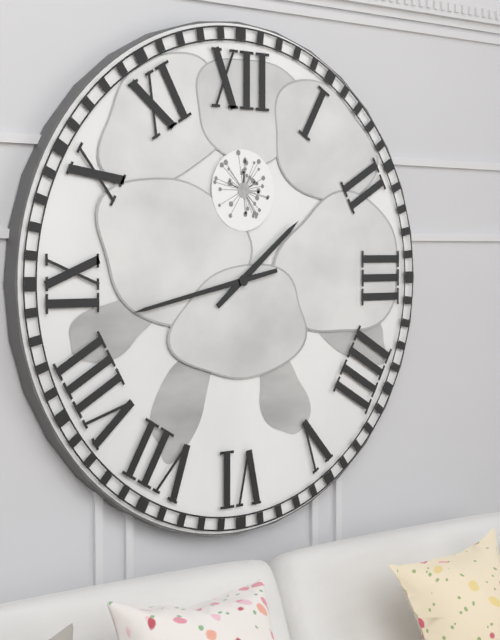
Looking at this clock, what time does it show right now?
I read 1:43
